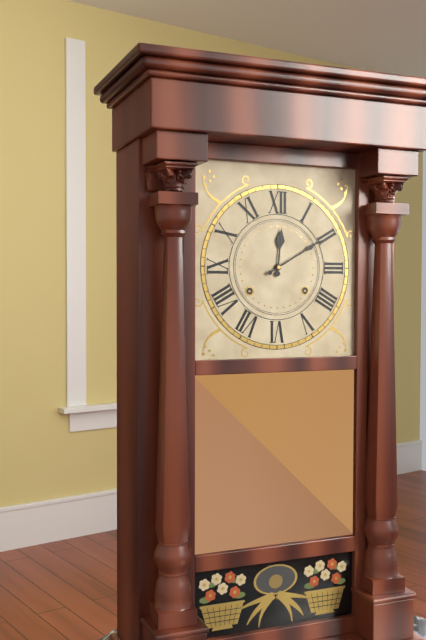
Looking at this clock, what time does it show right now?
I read 12:10
